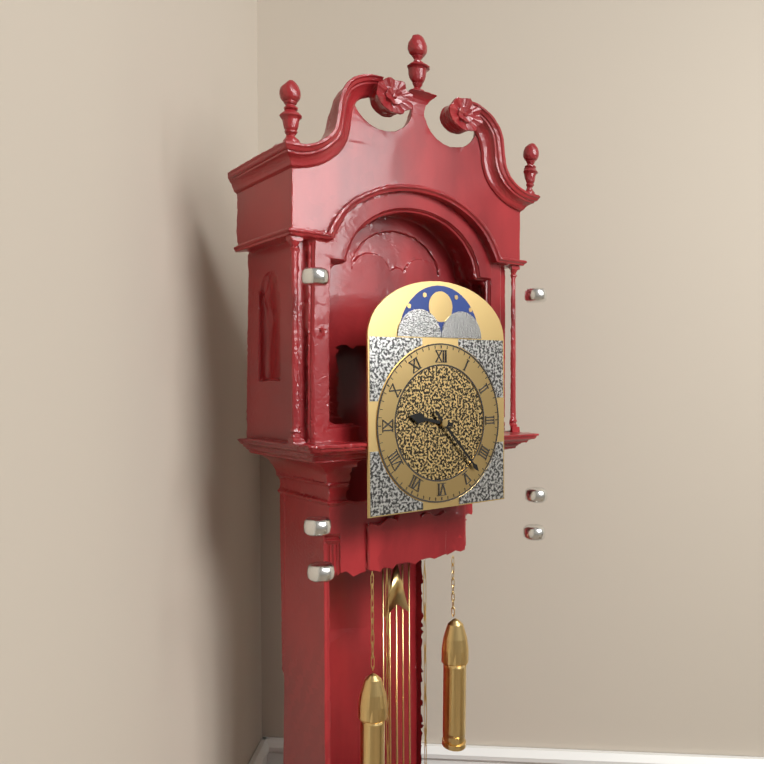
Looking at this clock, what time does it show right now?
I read 9:23
